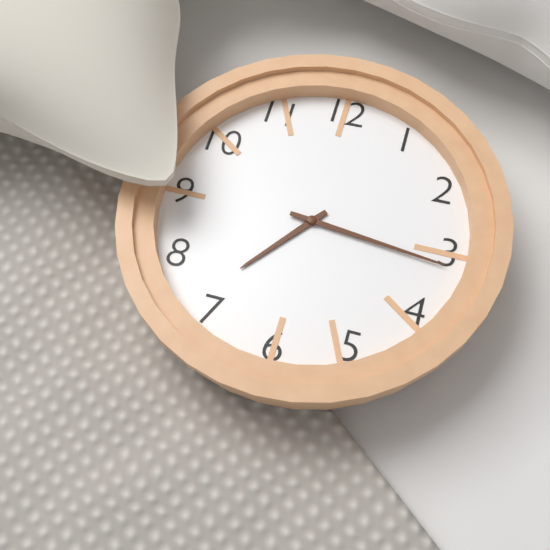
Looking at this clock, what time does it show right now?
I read 7:16
